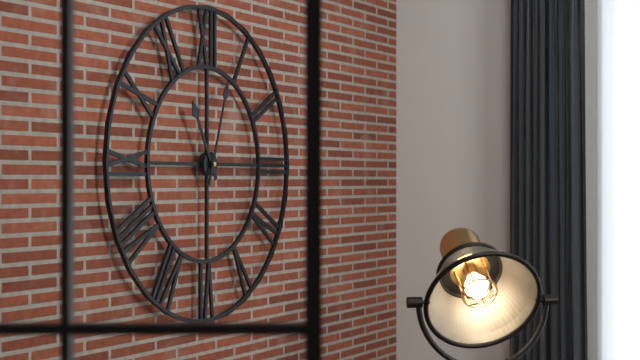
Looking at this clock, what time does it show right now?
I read 11:03
